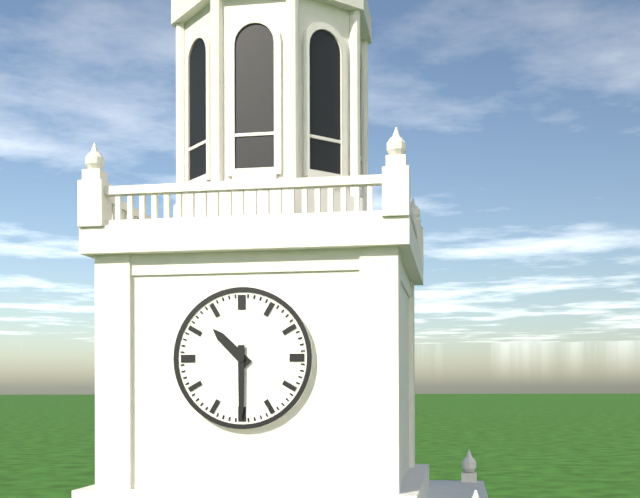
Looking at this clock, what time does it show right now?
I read 10:30
